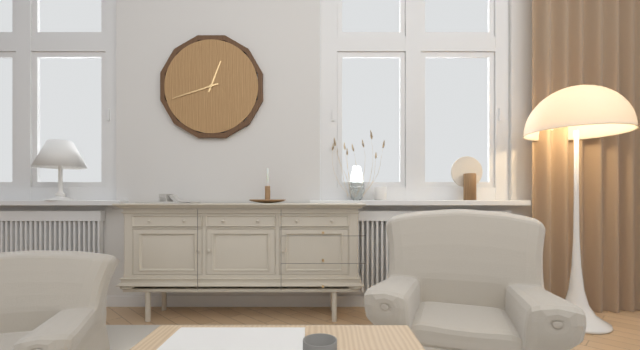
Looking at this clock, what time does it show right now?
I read 12:42
